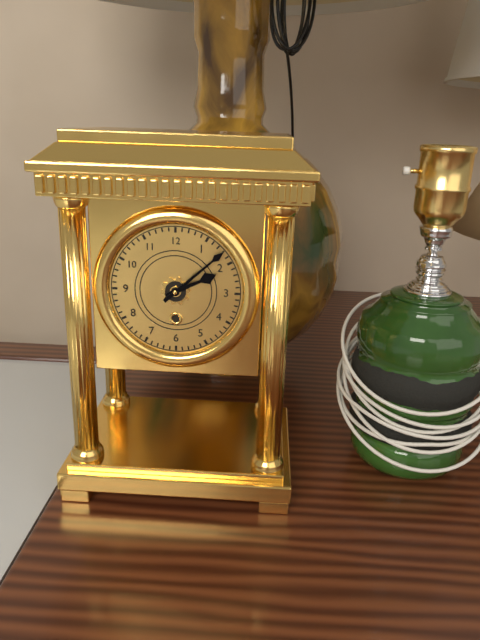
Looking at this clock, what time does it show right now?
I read 2:08
